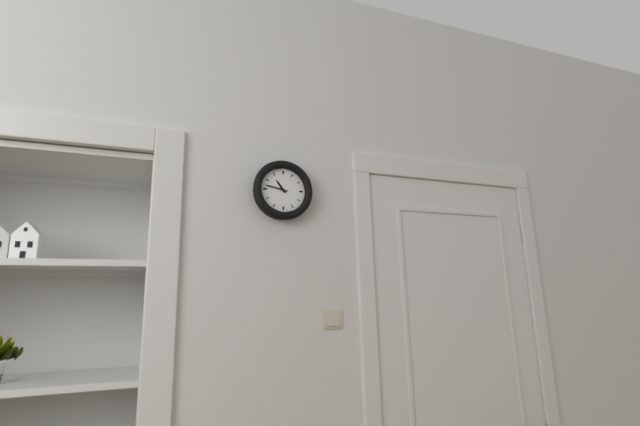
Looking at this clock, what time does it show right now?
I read 10:47
